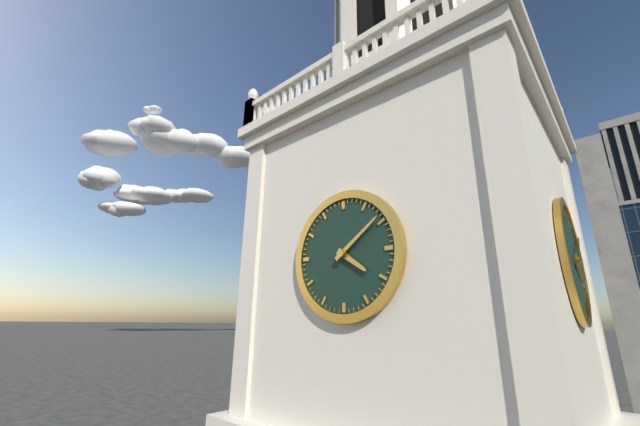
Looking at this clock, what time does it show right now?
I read 4:09
